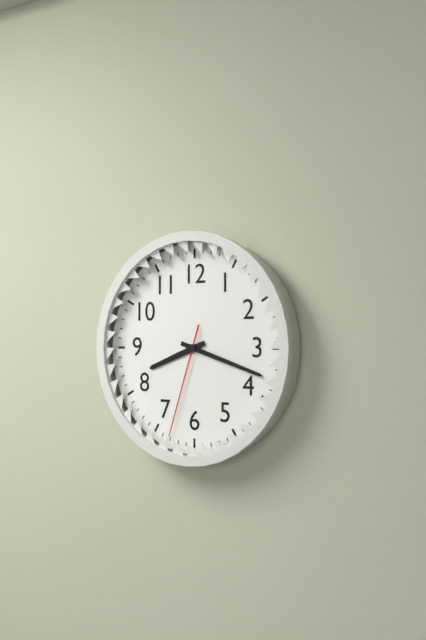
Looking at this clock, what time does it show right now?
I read 8:18:33
